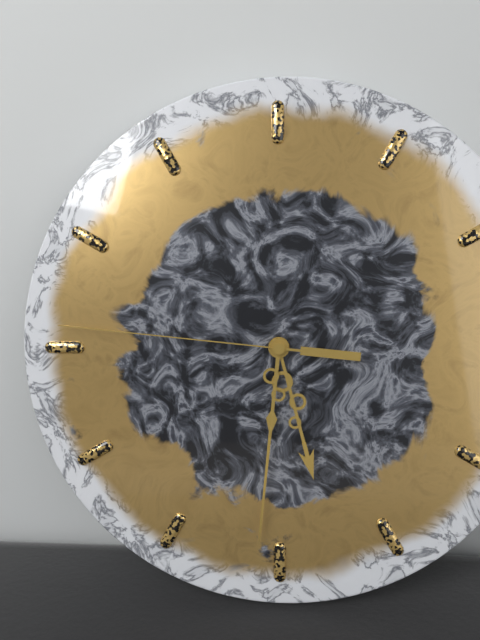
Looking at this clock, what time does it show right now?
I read 5:31:46
